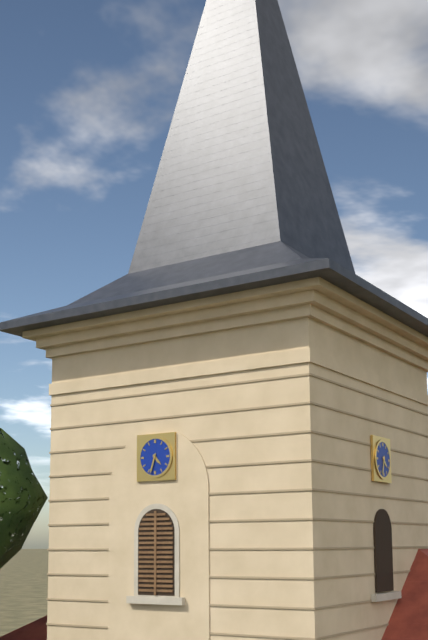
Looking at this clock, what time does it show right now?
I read 4:33
